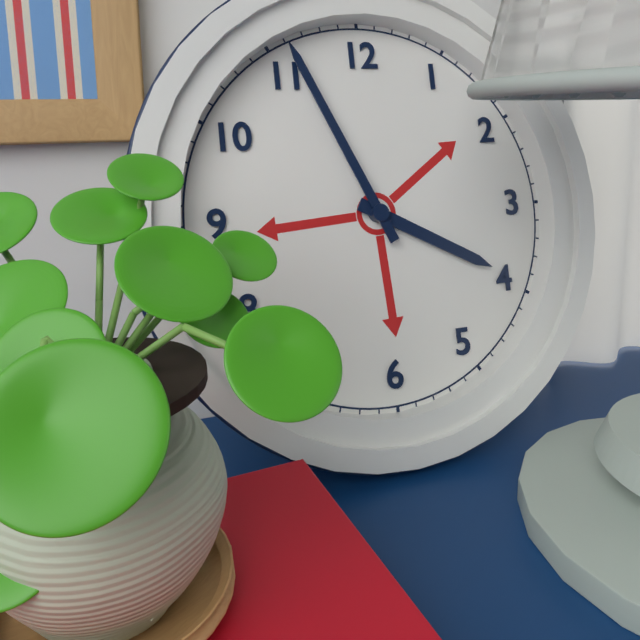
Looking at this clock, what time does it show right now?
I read 3:56
